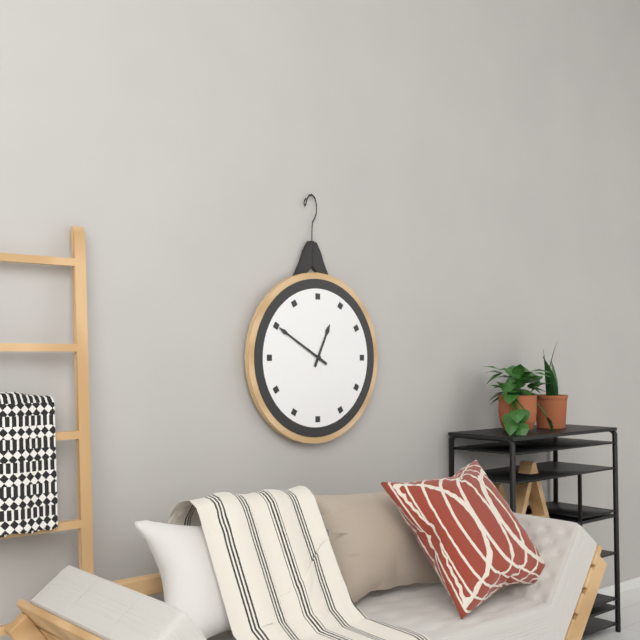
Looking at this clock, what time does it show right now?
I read 12:50
